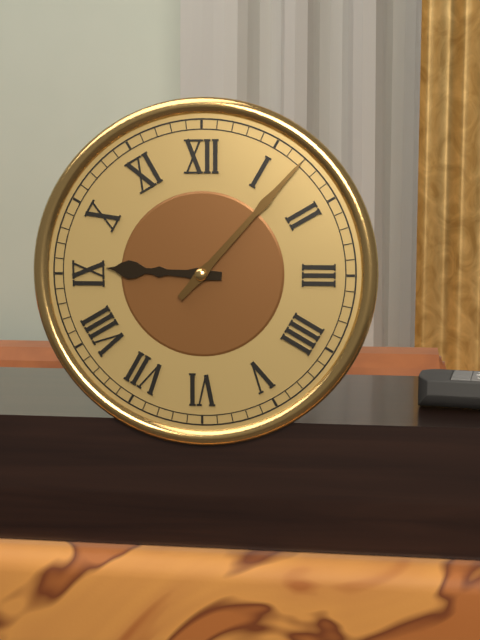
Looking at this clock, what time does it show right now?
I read 9:07
